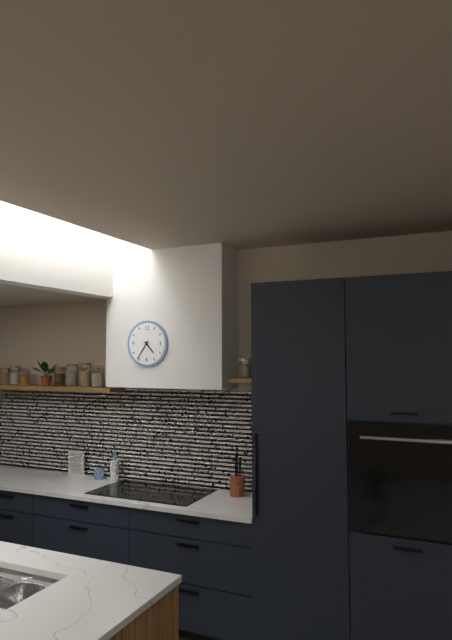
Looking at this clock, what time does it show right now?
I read 4:36
